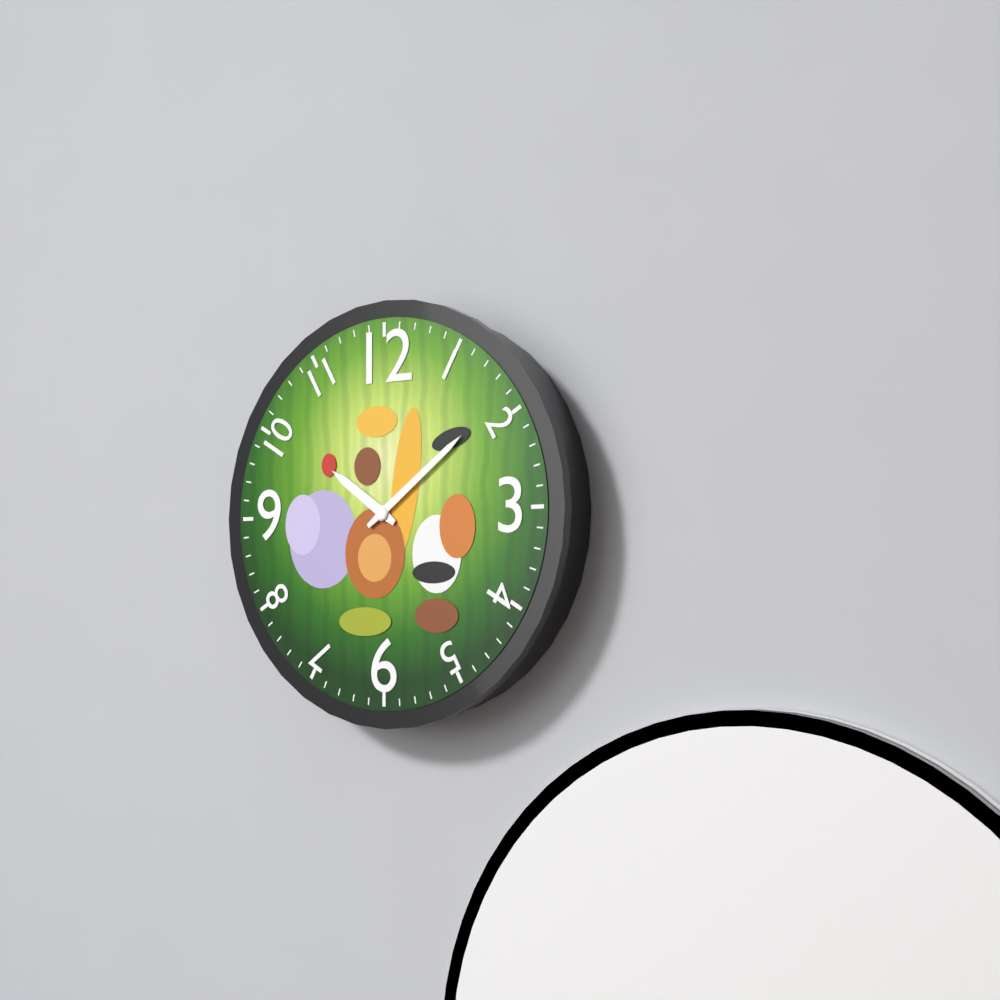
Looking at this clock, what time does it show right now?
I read 10:09
